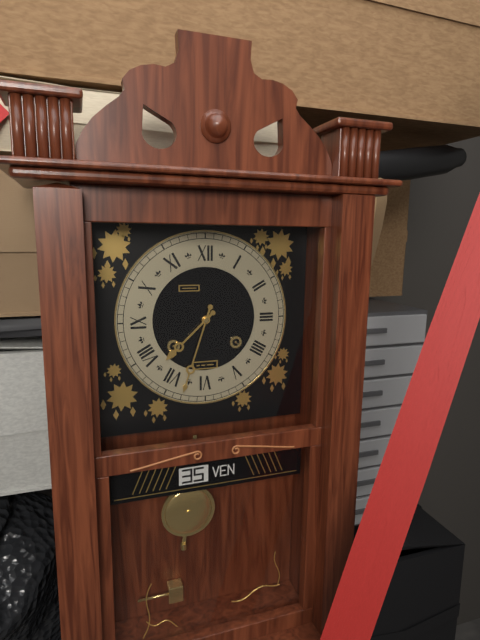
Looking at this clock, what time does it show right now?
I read 7:33
